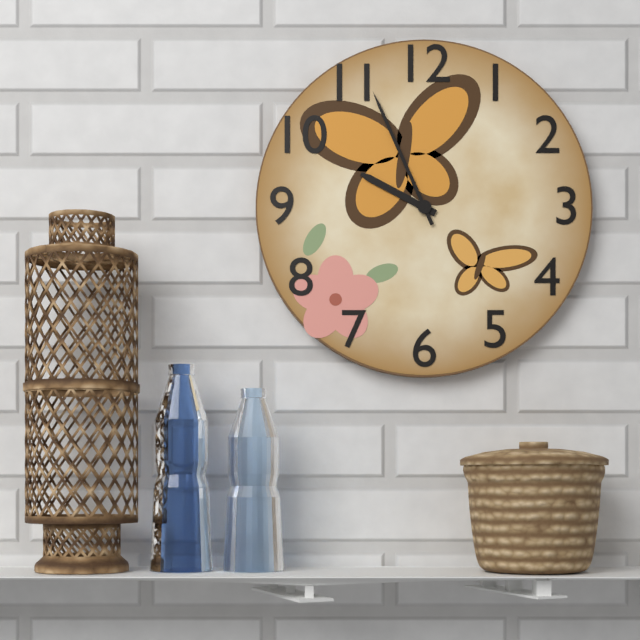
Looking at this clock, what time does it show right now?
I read 9:56
